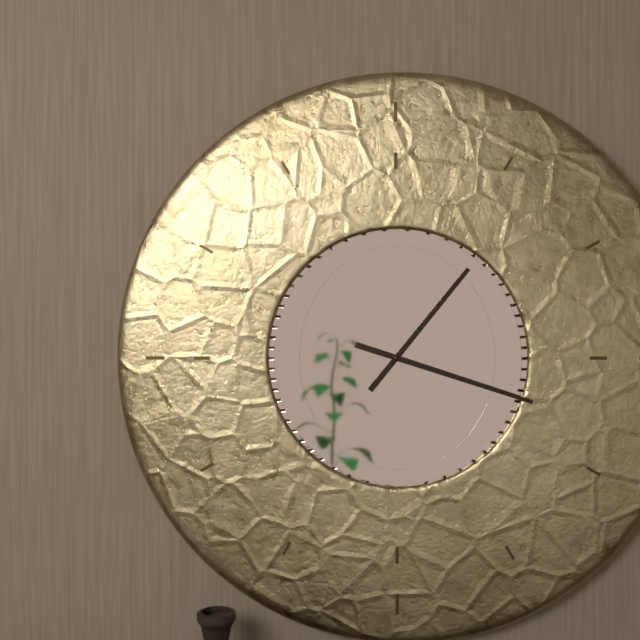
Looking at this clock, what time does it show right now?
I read 1:18
